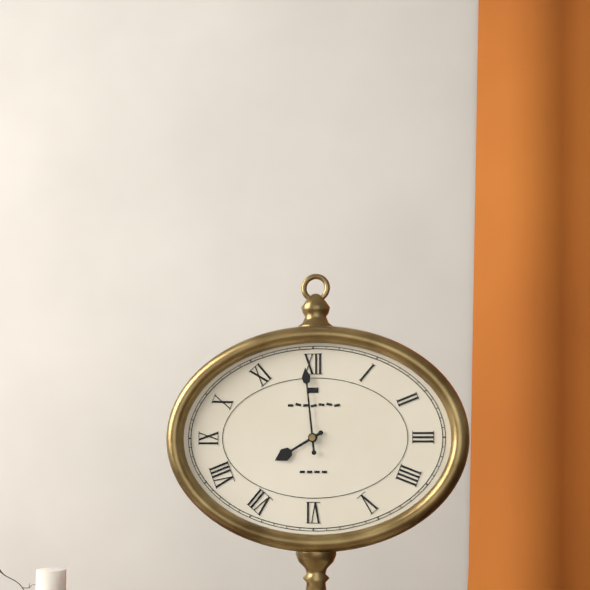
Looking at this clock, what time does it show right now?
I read 7:59
